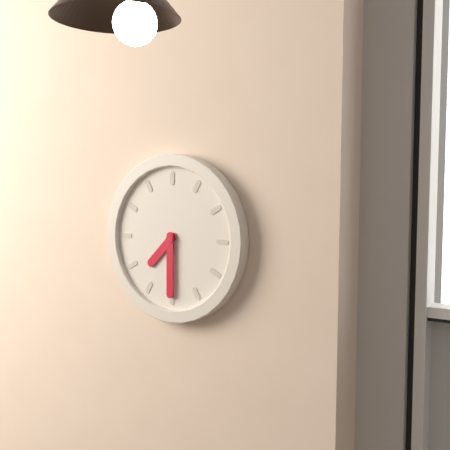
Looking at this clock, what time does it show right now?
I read 7:30
